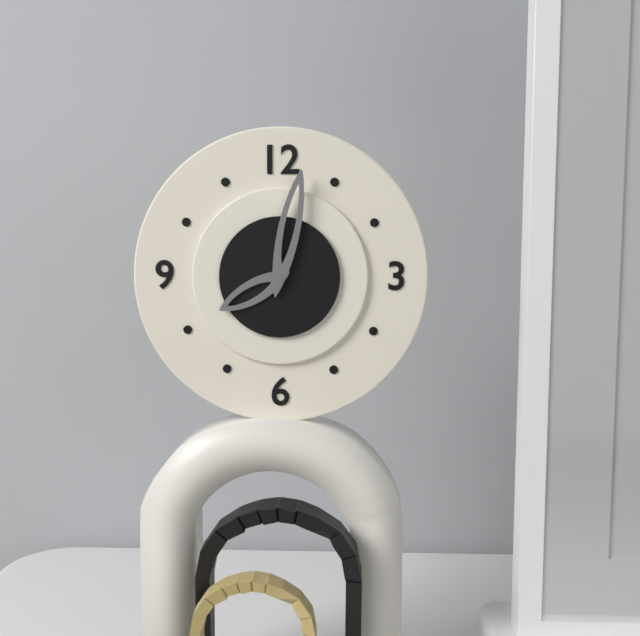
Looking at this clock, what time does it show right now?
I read 8:02
